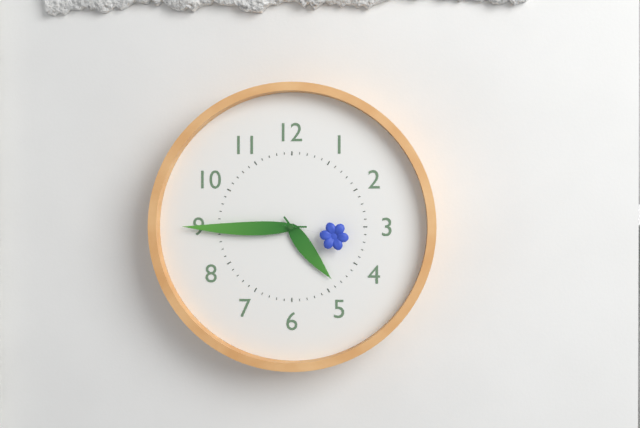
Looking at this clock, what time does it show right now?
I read 4:45:17
